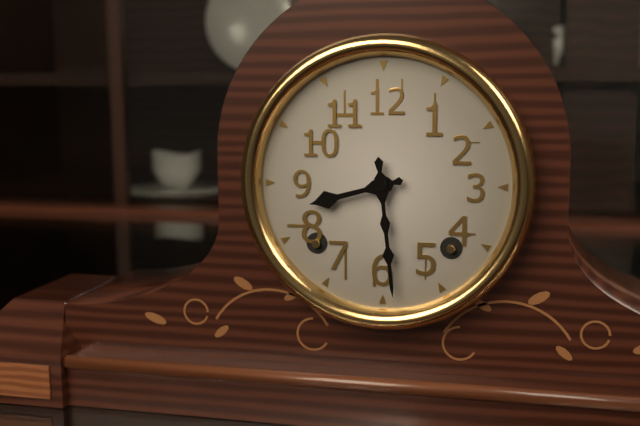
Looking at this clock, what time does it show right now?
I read 8:29
